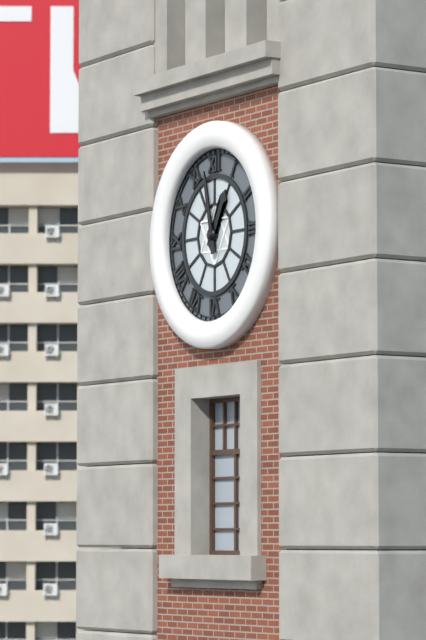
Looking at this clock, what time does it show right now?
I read 12:58
